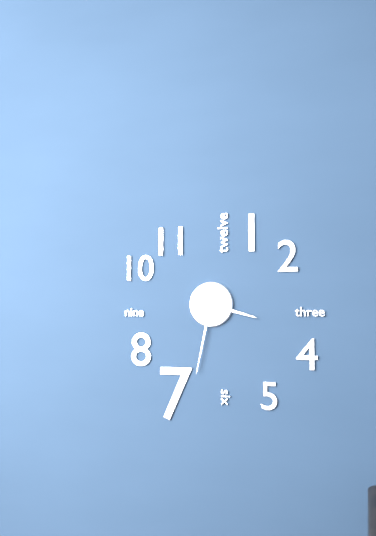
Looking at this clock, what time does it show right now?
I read 3:32
